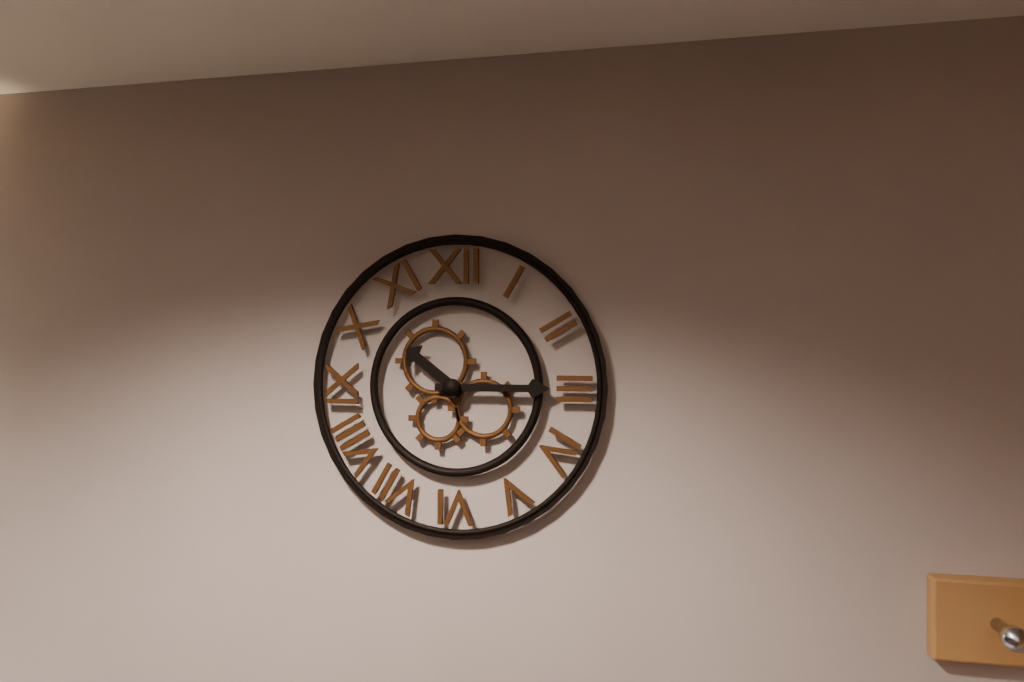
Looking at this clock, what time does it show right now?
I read 10:15
